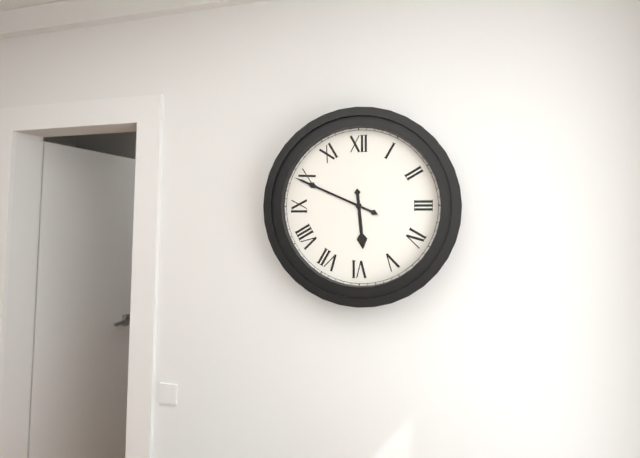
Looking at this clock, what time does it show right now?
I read 5:49
